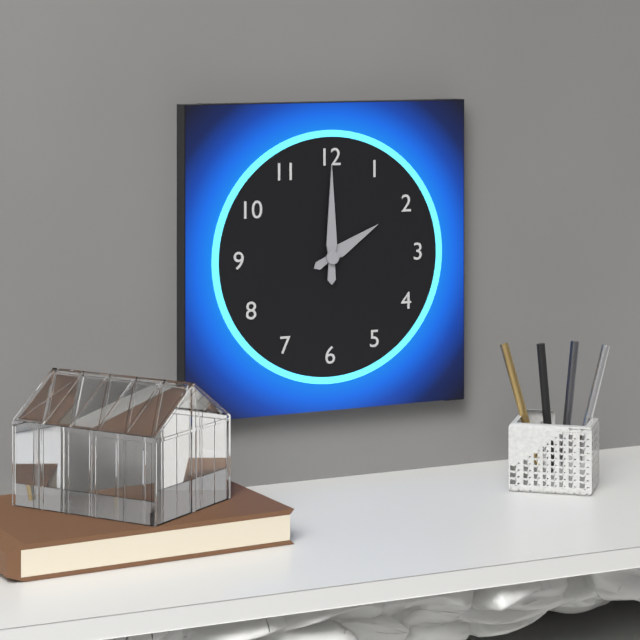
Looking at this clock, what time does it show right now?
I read 2:00
